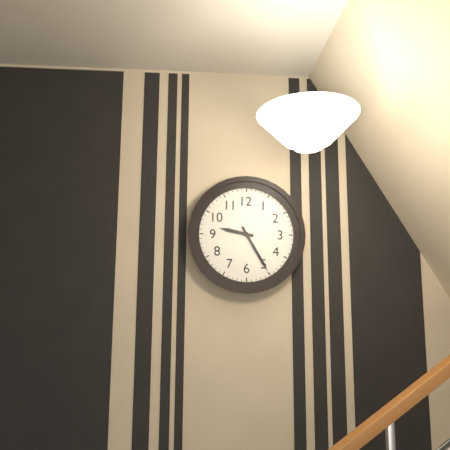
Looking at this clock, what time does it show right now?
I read 9:25
